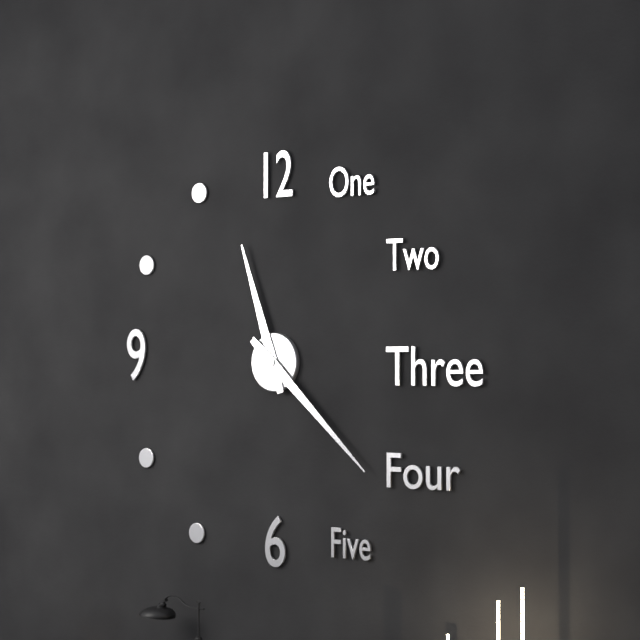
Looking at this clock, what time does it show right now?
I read 11:22
